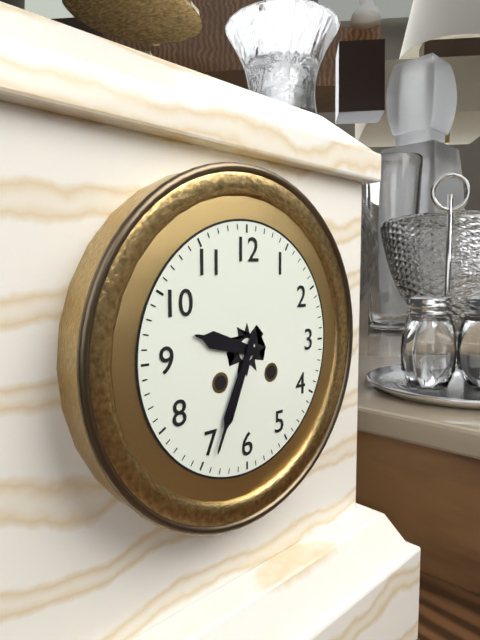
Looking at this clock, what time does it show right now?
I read 9:34
